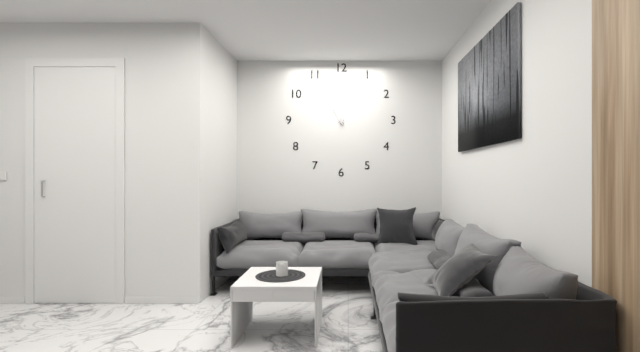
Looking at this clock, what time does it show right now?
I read 10:57
